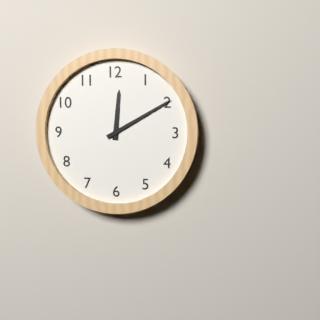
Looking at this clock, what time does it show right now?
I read 12:10
